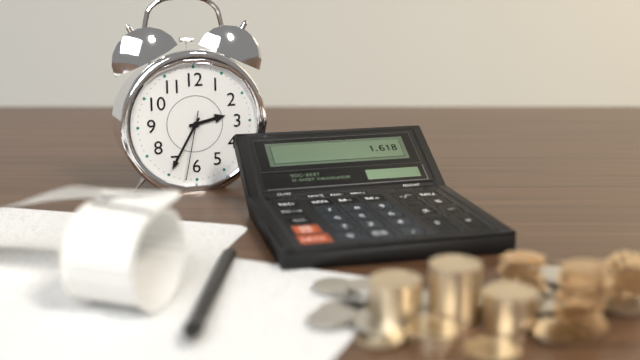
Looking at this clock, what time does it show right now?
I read 2:35:32
